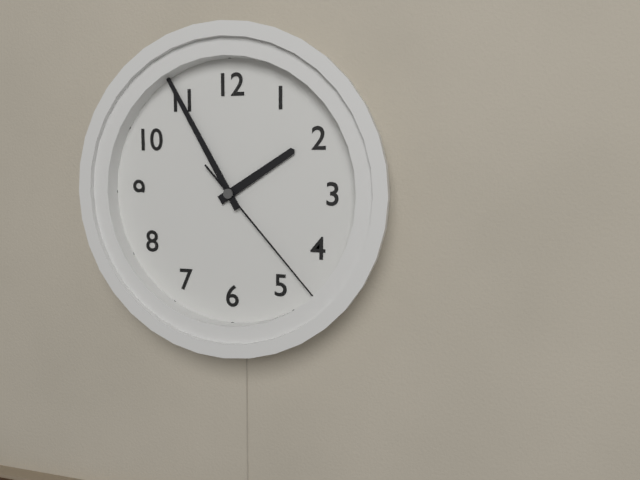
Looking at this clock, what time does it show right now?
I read 1:55:23
